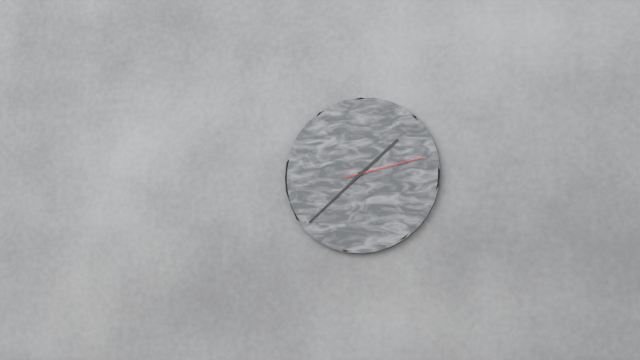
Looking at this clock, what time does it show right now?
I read 1:38:13
